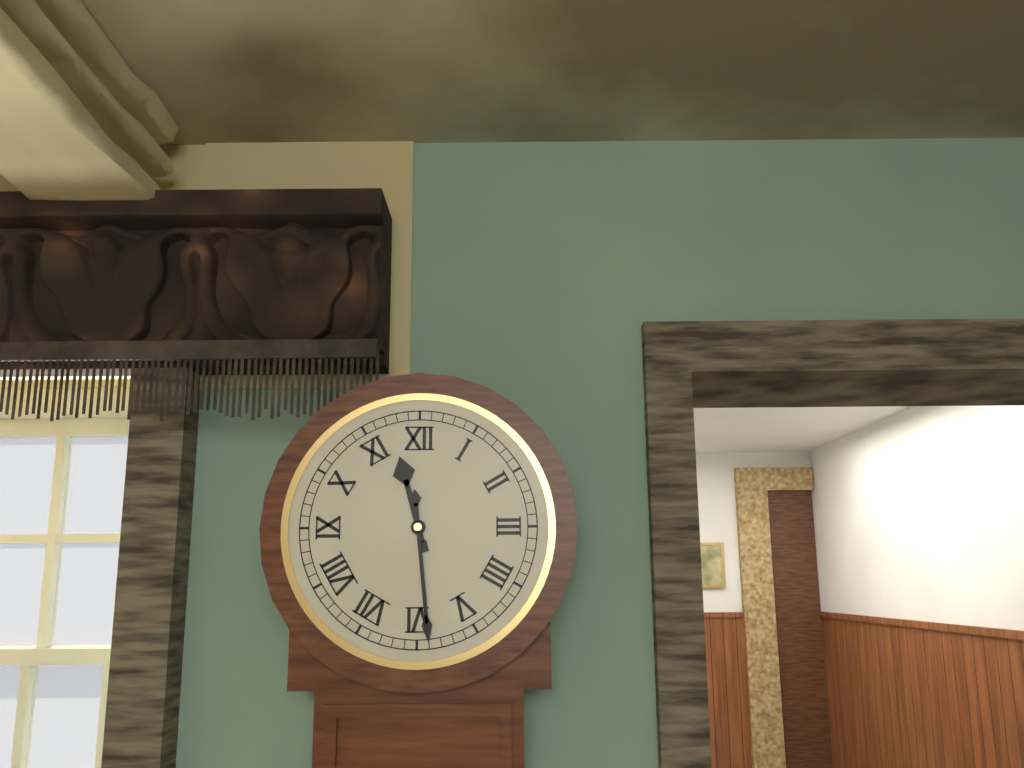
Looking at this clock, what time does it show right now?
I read 11:29
